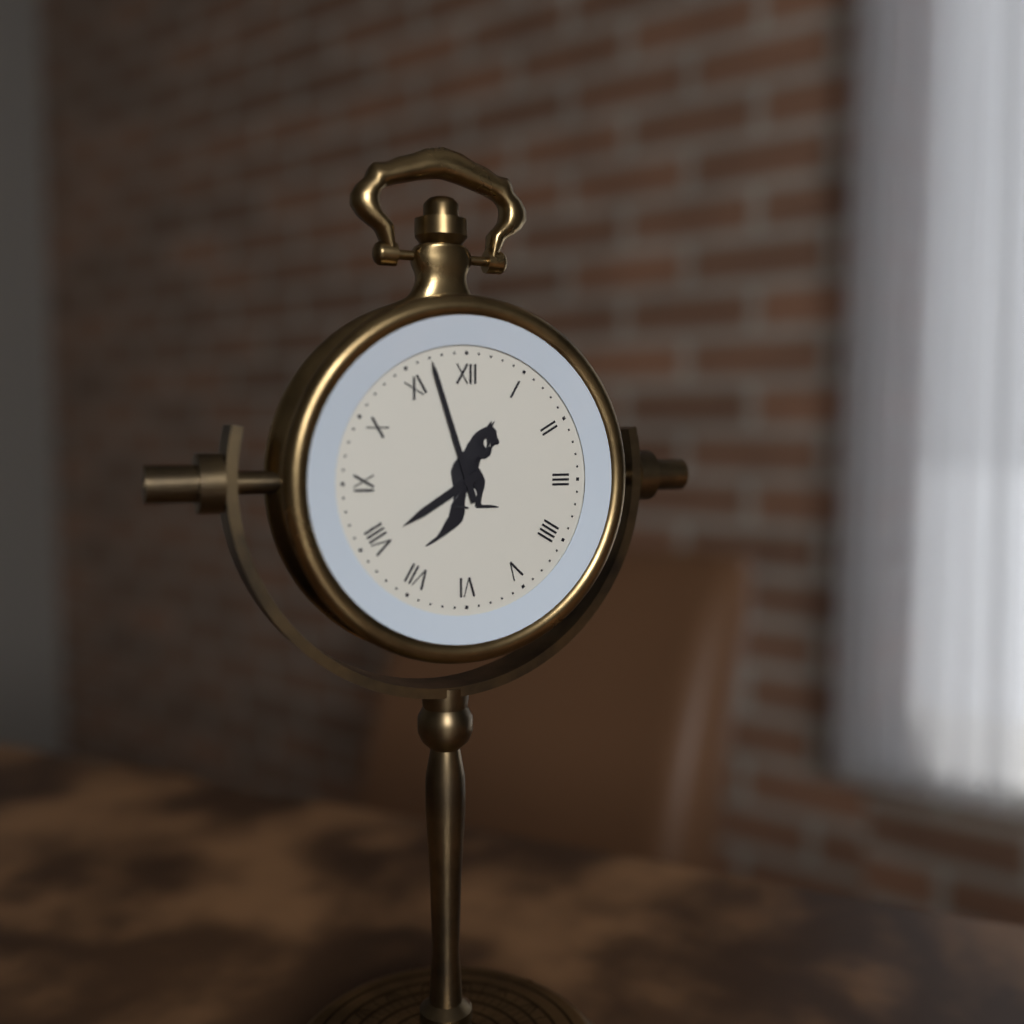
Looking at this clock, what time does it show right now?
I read 7:57
